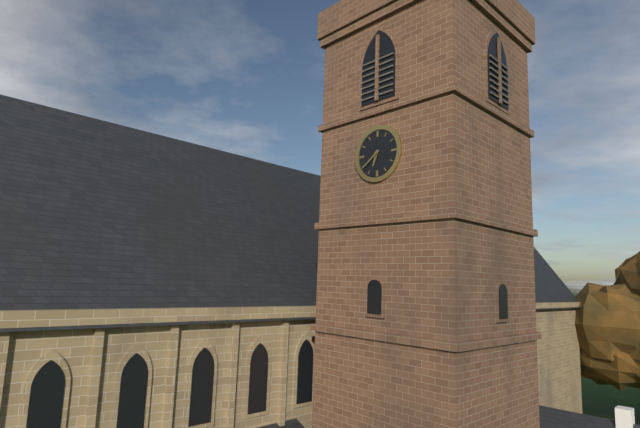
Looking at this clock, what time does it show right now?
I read 6:39
